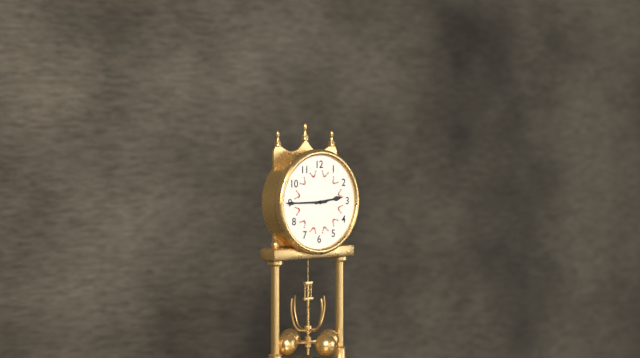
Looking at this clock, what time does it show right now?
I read 2:45
